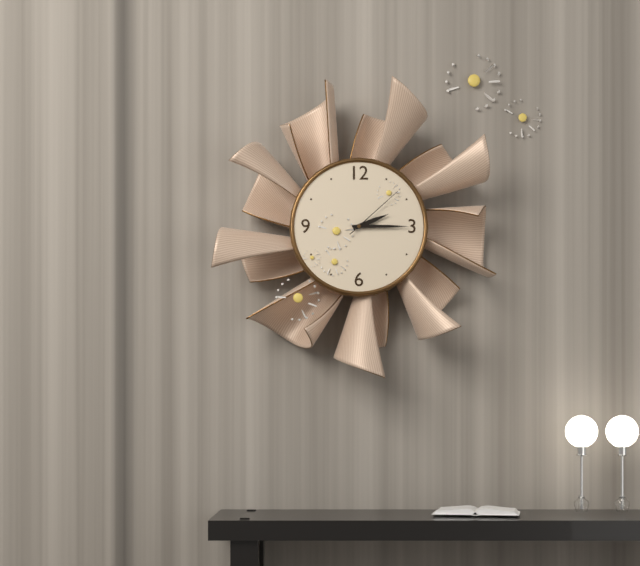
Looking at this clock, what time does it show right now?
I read 2:15:08
